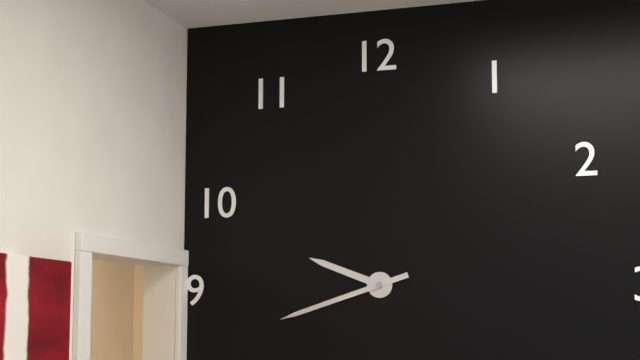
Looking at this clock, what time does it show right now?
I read 9:42
